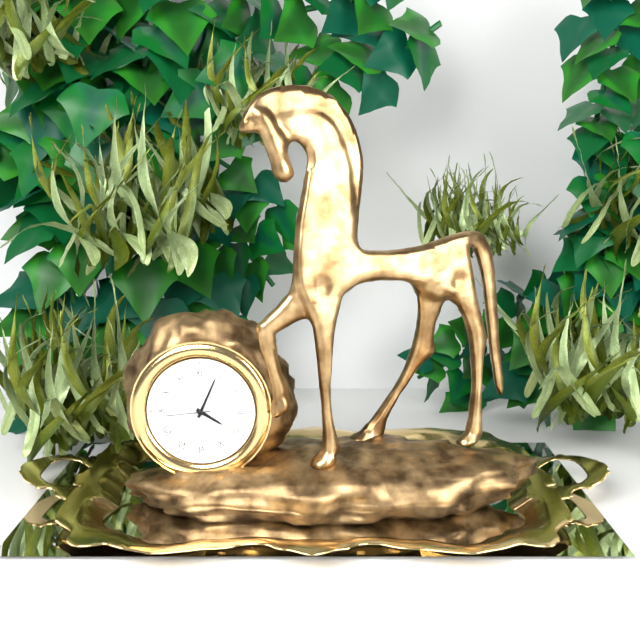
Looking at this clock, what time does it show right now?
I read 4:04:44
